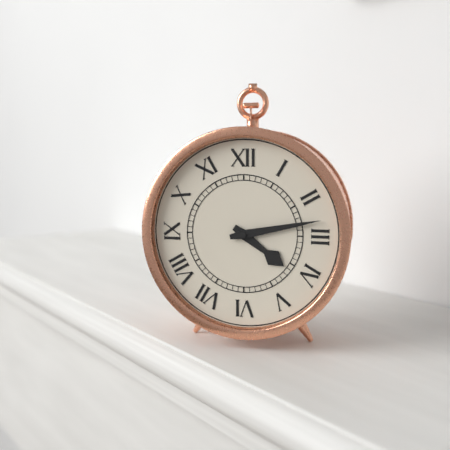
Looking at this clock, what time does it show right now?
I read 4:13
